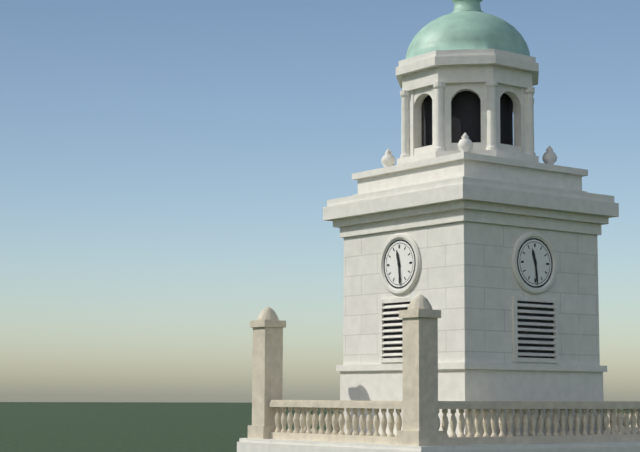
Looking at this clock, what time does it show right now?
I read 11:29
